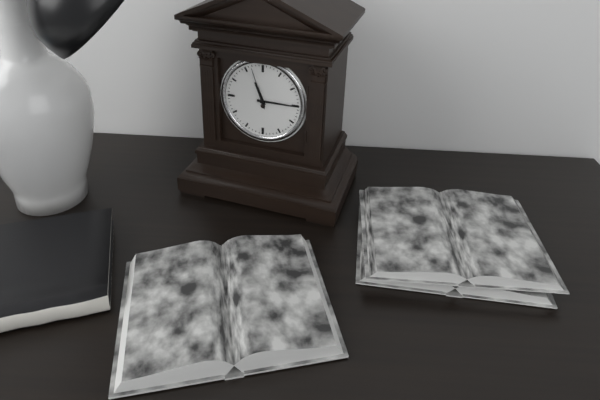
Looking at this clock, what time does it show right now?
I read 11:15
